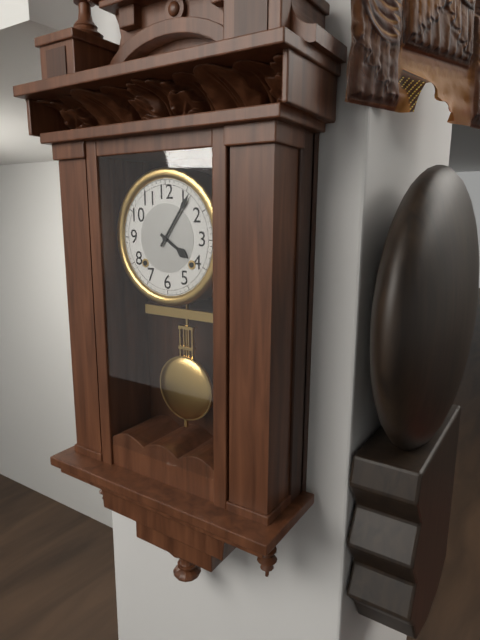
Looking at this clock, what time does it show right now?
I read 4:06
